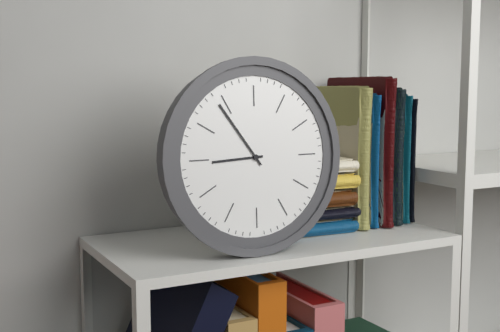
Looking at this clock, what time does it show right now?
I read 8:54
